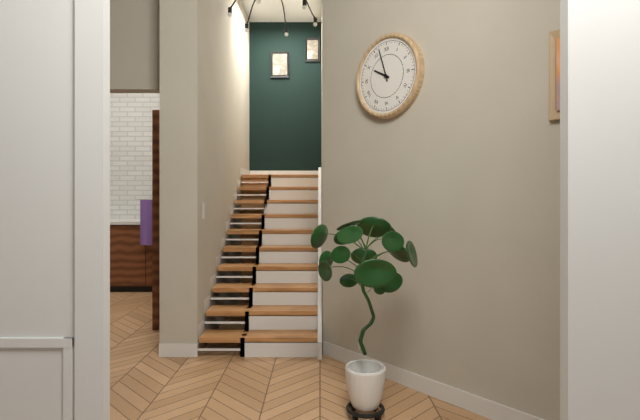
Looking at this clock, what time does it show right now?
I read 9:57
